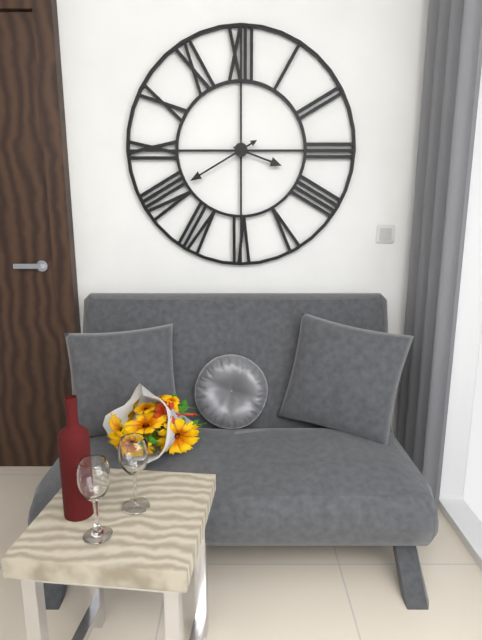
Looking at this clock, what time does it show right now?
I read 3:40
